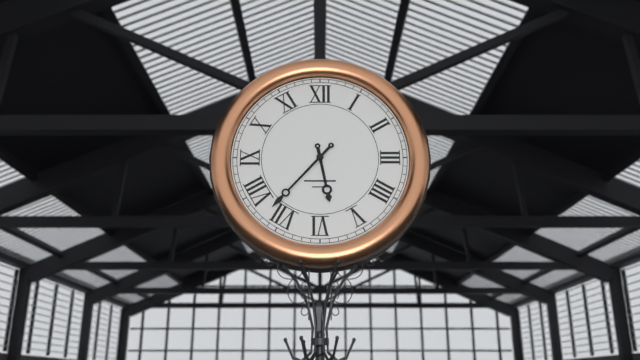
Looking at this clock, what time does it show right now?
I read 5:37
